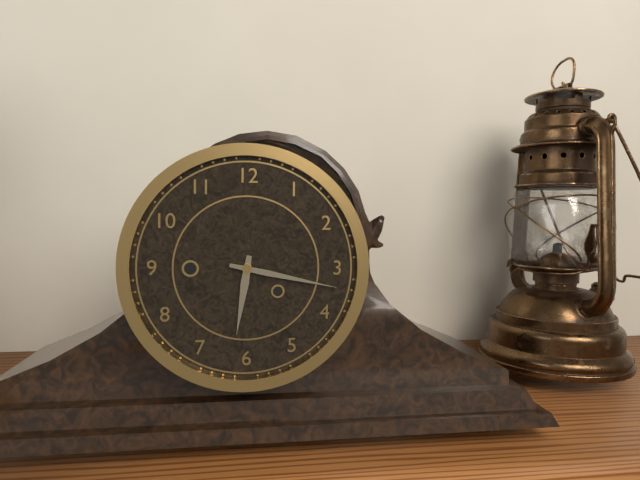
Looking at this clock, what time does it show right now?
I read 6:17
